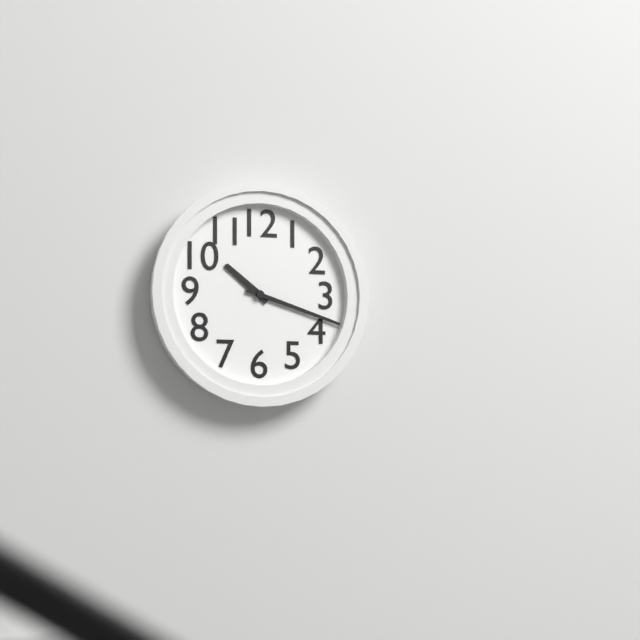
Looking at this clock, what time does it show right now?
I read 10:18
